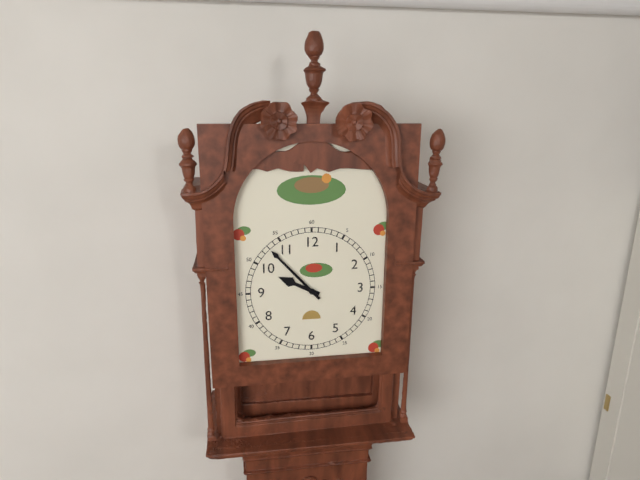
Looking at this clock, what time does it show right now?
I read 9:53
